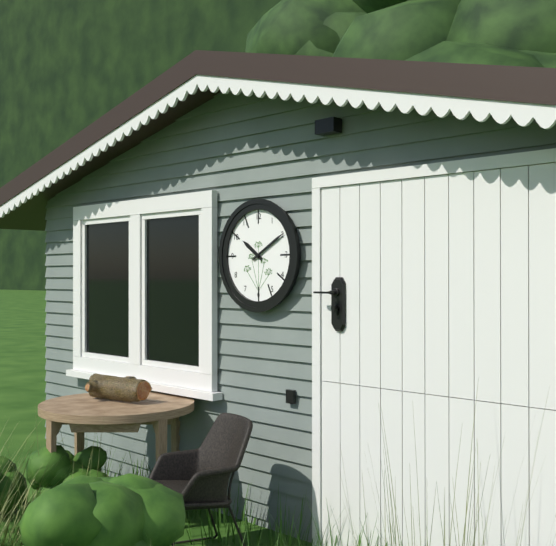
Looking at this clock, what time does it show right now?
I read 10:10
